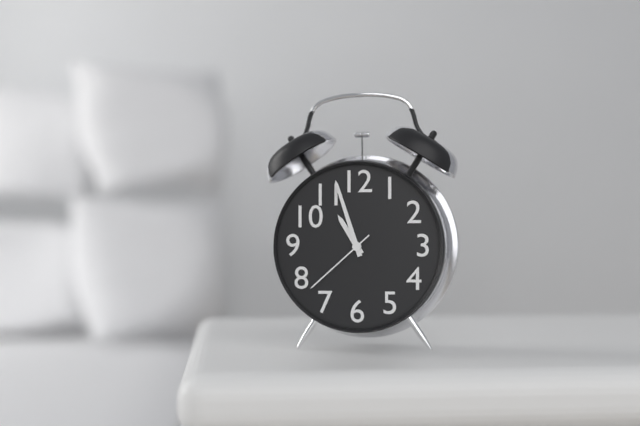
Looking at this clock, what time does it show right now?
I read 10:57:38
